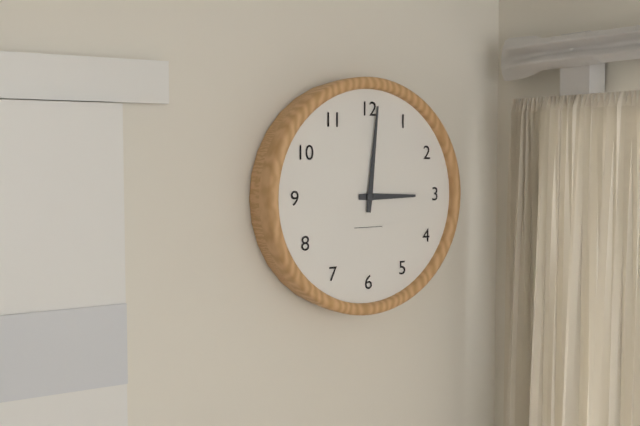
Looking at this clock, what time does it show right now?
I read 3:01
